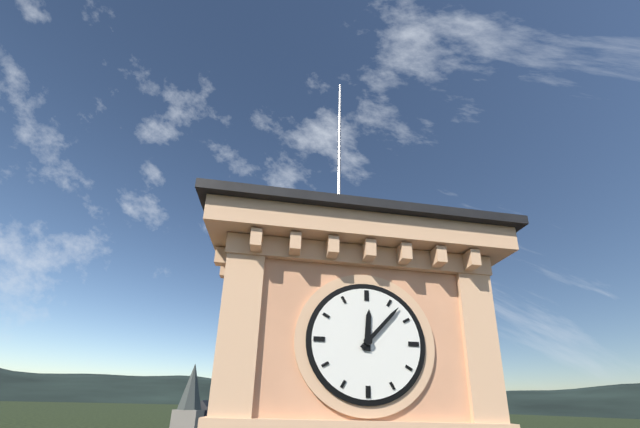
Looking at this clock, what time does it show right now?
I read 12:07
